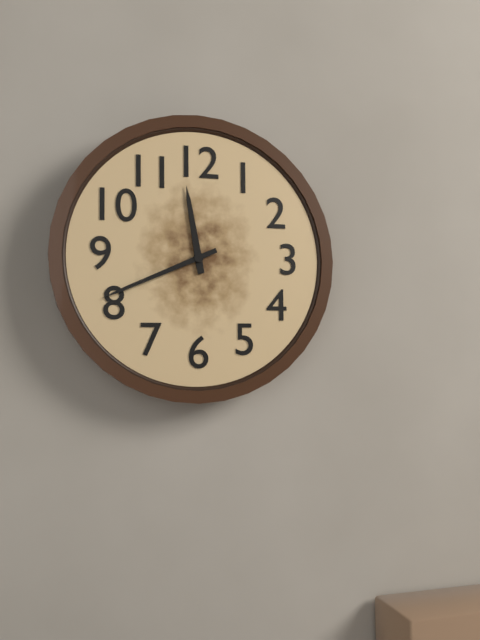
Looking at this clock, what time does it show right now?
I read 11:41
